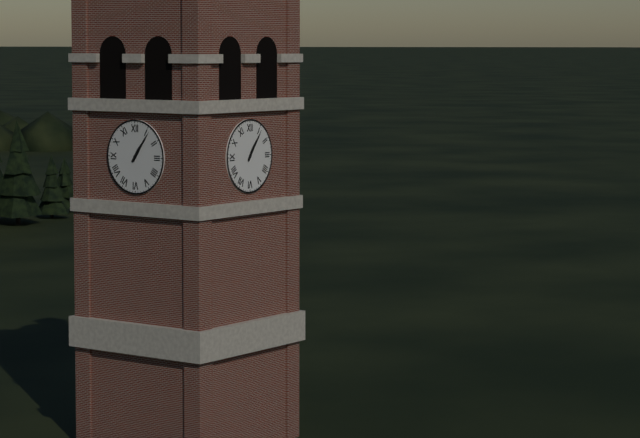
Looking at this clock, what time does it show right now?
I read 1:06
